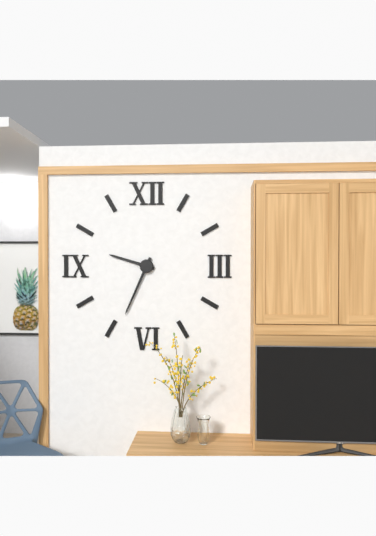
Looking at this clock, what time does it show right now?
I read 9:34
